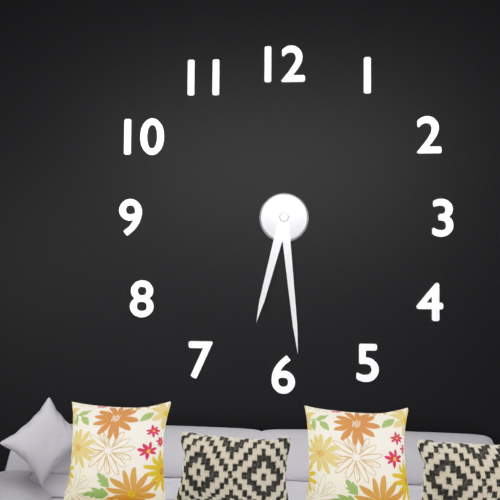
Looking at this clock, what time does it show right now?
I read 6:29
